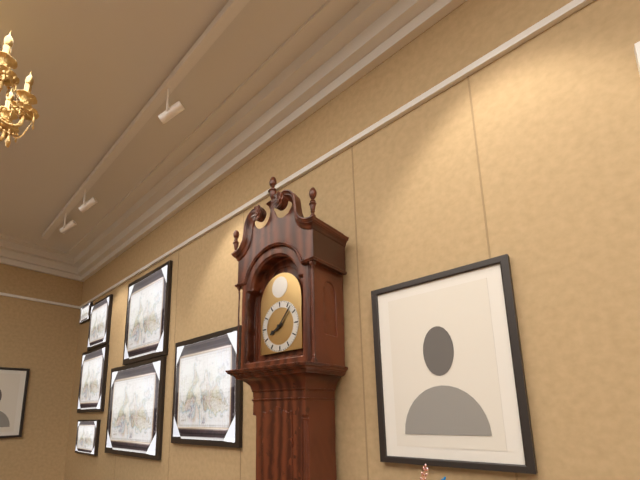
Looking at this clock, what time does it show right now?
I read 8:07
